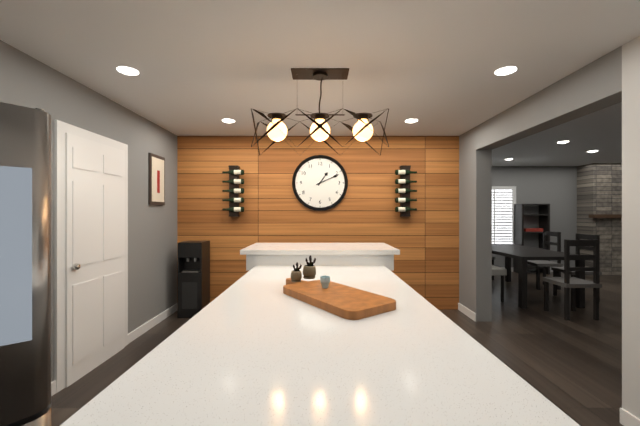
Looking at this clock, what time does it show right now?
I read 1:11
